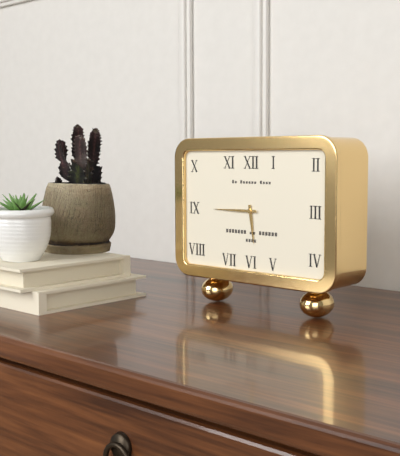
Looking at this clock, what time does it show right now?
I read 5:45
